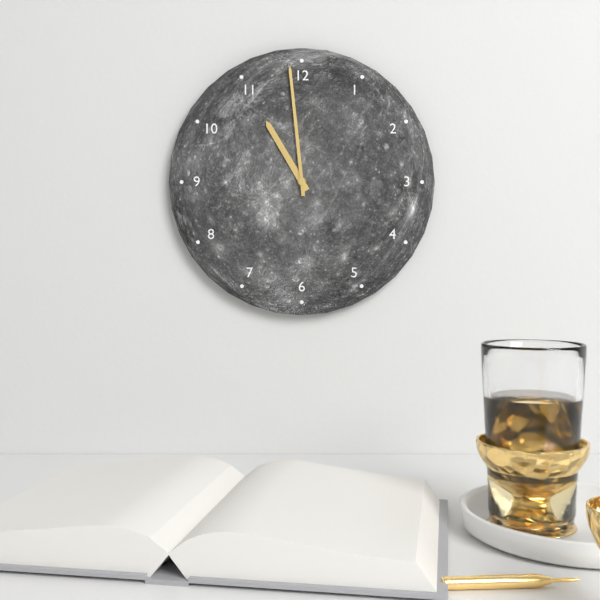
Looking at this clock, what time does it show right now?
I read 10:59
